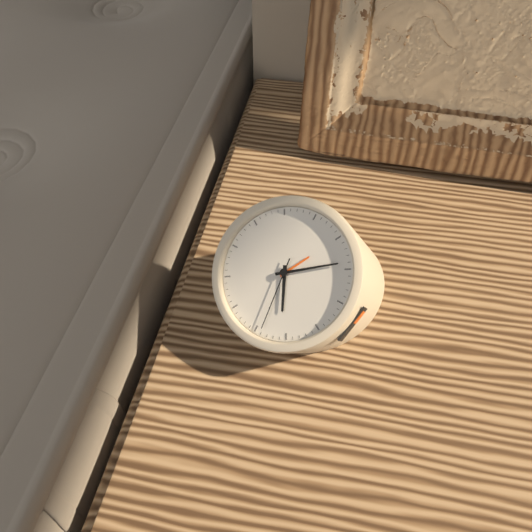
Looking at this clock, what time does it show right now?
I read 5:09:29
